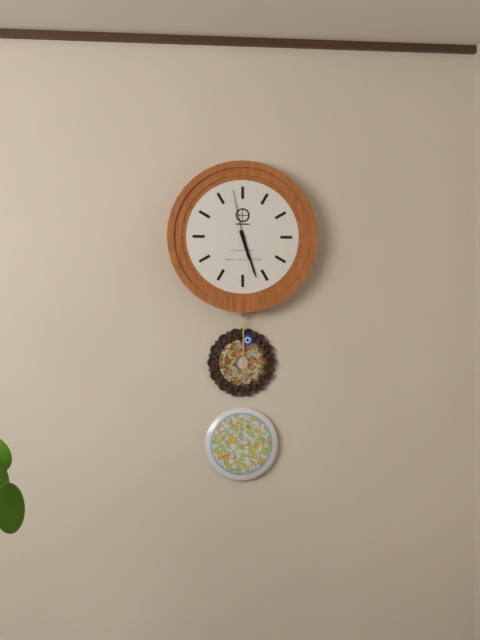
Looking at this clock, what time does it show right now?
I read 5:27:58
